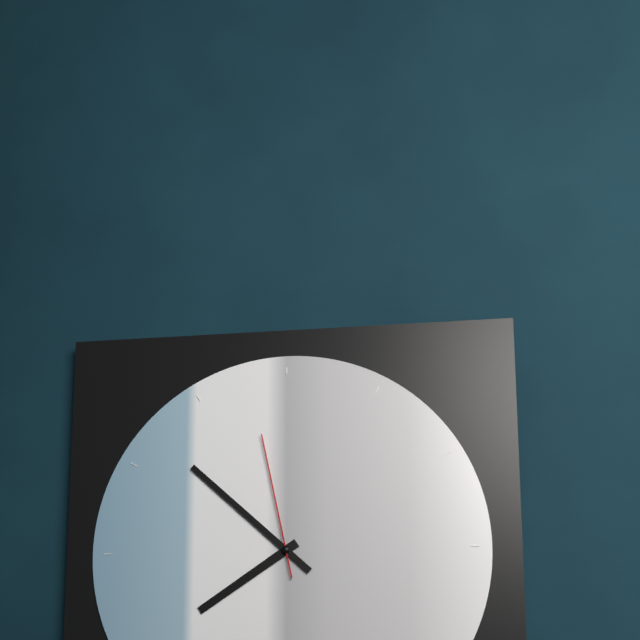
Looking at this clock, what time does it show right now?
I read 7:52:58
